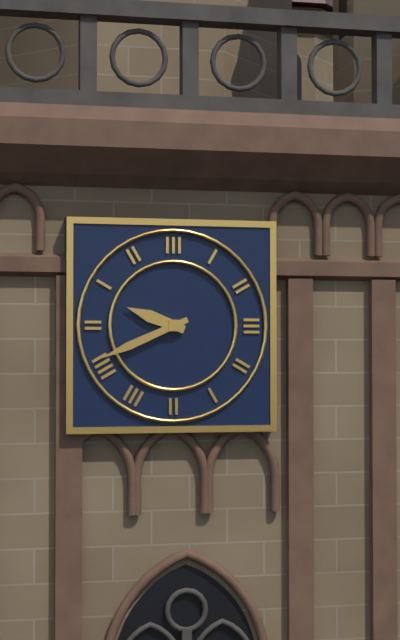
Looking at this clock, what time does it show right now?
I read 9:41
